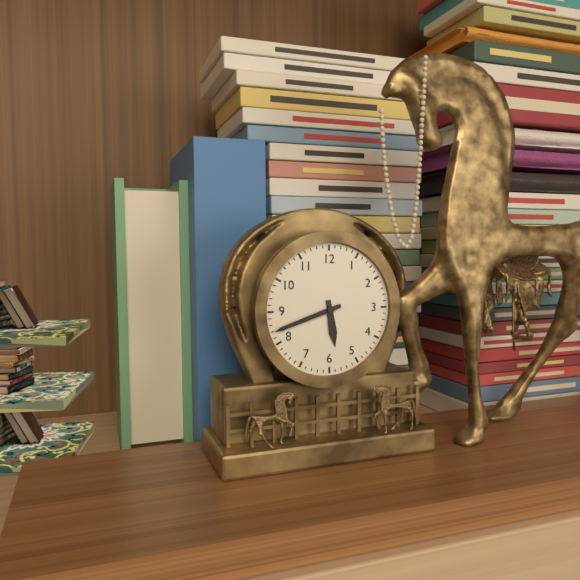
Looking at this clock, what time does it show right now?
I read 5:42
